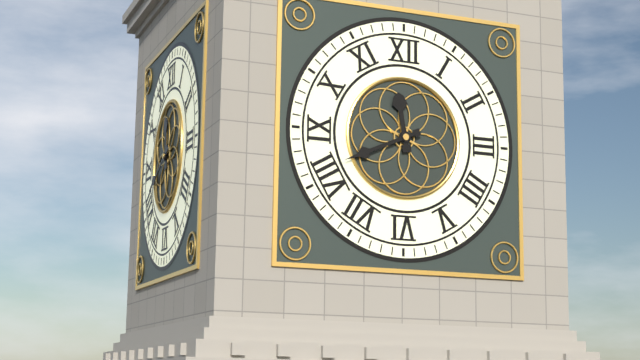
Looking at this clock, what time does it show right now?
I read 11:41
